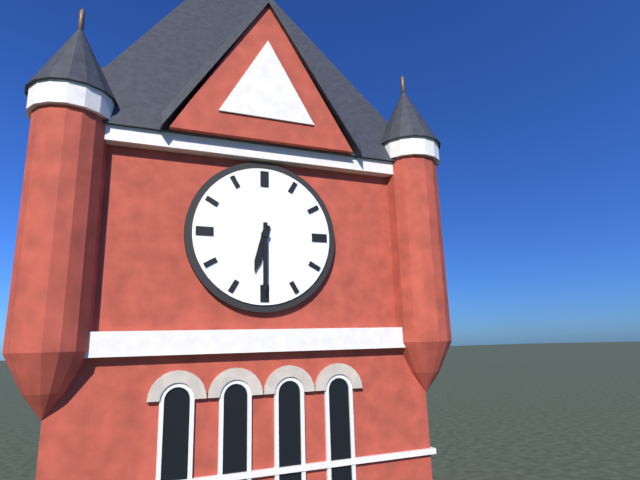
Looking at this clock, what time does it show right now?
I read 6:30
